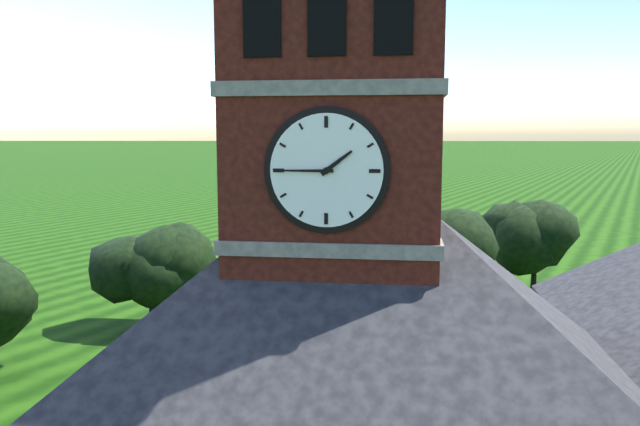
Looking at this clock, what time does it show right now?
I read 1:45
